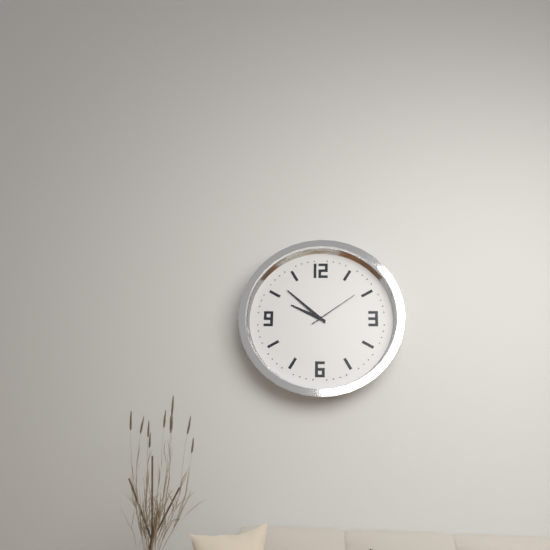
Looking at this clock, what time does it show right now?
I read 9:52:09
